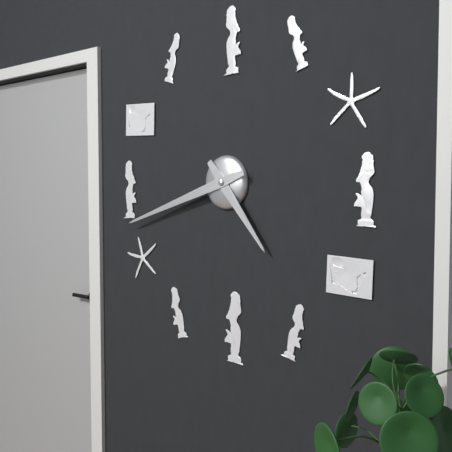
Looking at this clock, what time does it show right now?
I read 4:42
